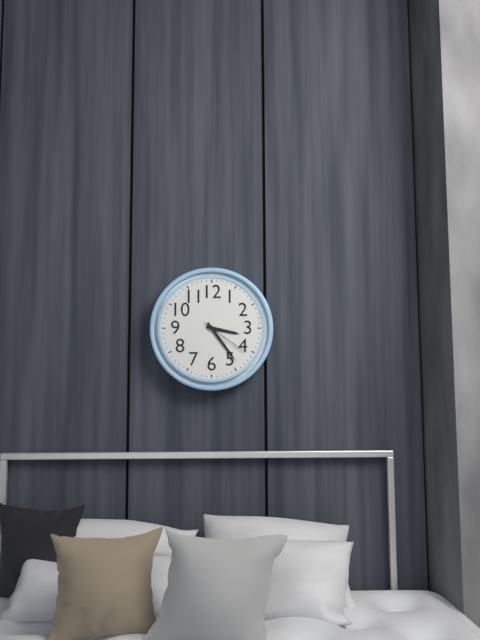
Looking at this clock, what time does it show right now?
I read 3:24:21
